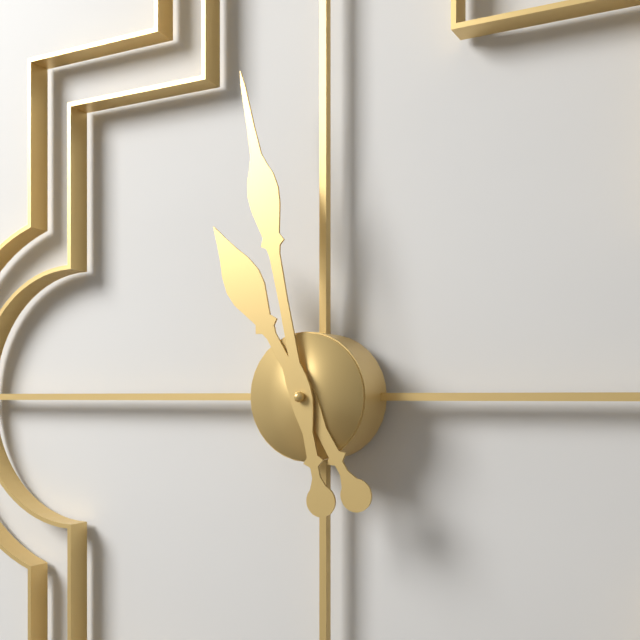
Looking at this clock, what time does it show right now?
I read 10:58
